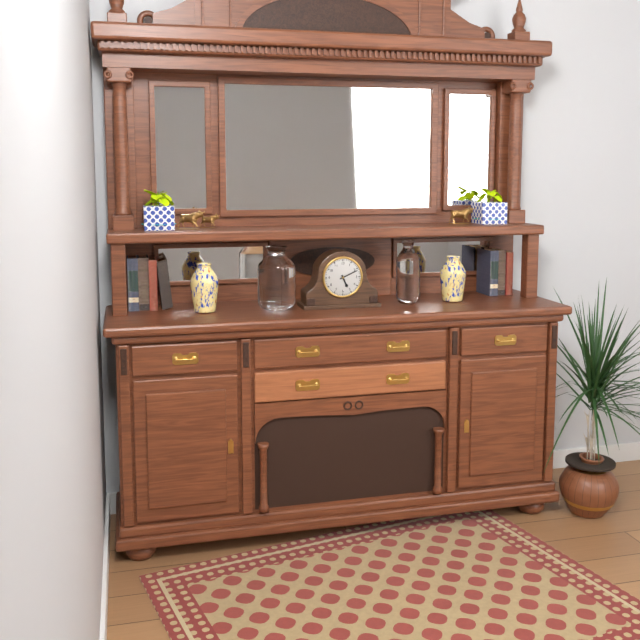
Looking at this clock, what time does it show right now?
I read 5:11
